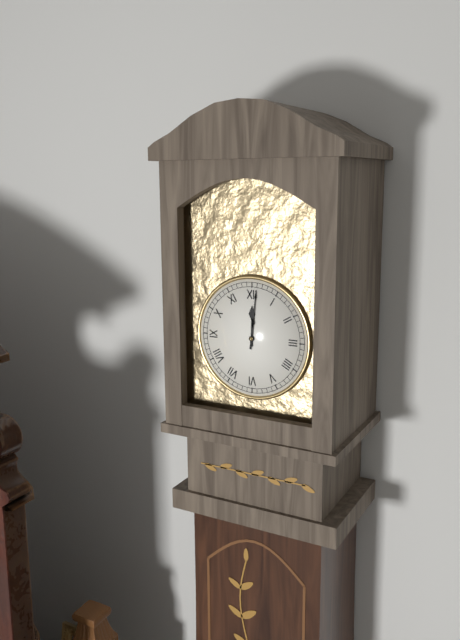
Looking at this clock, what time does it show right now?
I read 12:01
